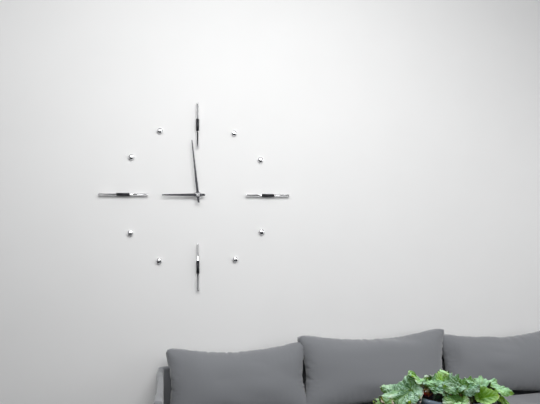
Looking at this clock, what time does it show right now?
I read 8:59
